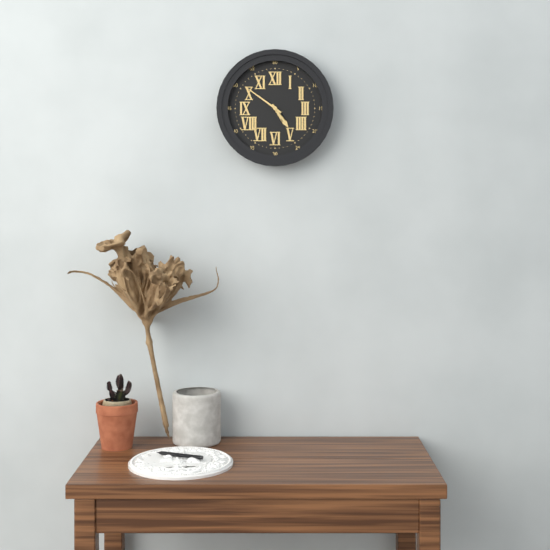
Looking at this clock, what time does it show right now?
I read 4:51
